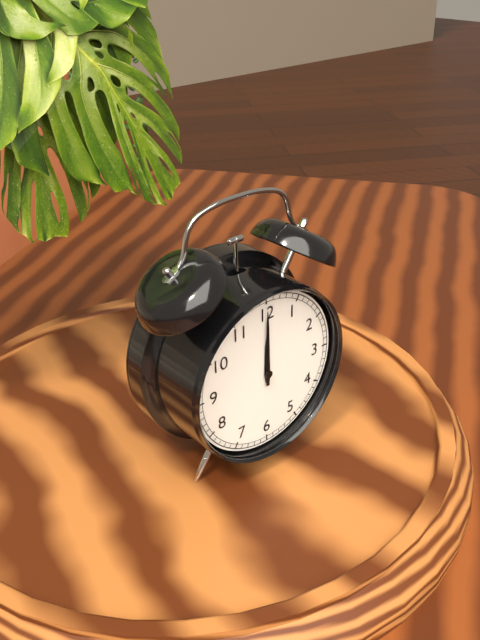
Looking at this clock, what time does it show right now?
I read 12:00
